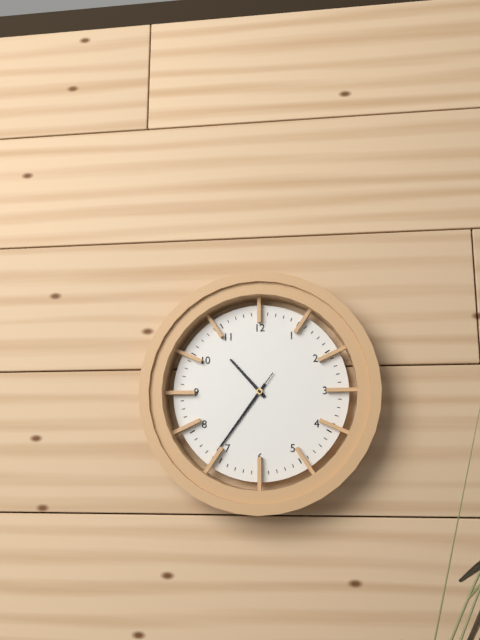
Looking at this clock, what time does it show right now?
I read 10:36:36
